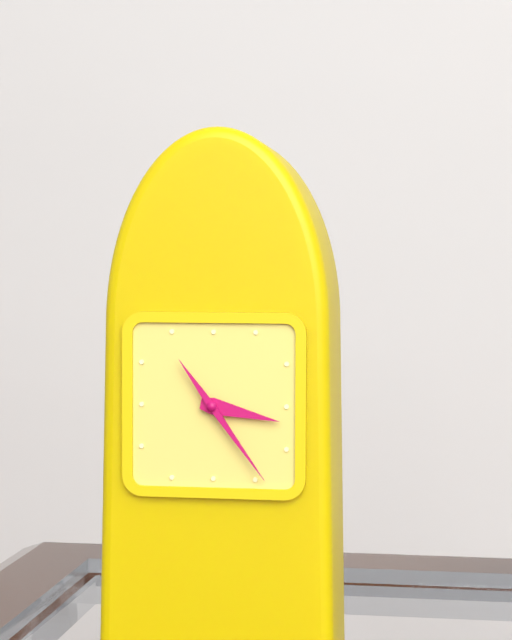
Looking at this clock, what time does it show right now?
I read 3:24
